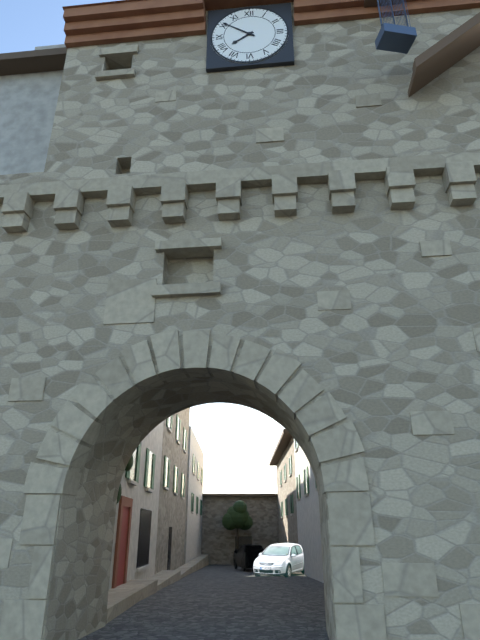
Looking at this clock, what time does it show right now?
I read 7:51
